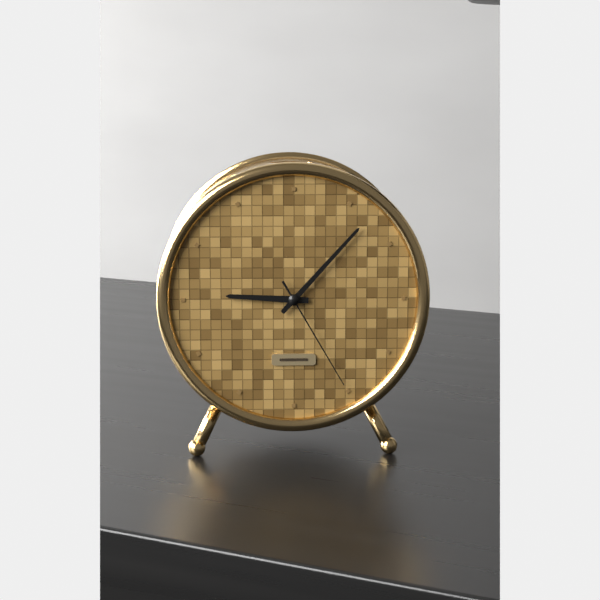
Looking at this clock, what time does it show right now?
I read 9:07:25
